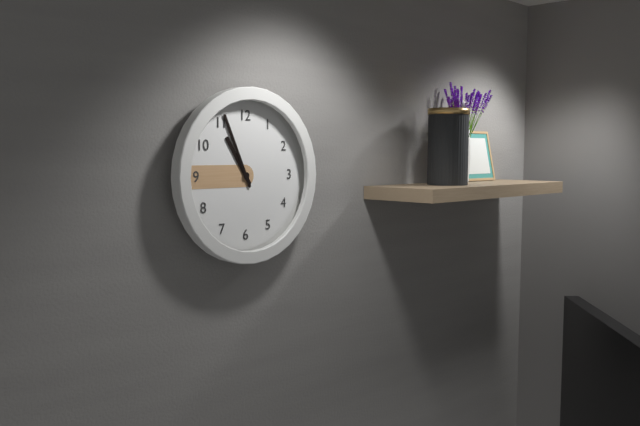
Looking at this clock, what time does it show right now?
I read 10:56
